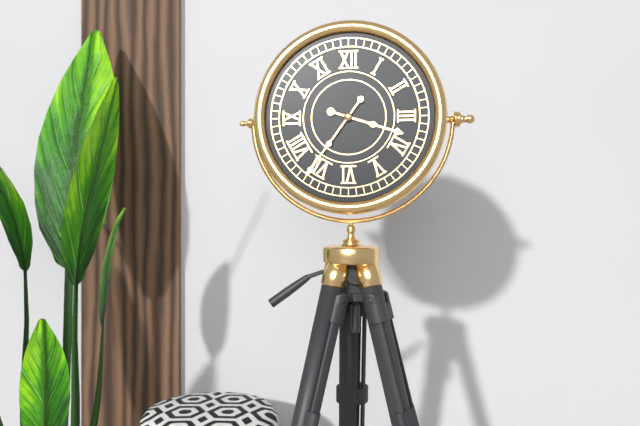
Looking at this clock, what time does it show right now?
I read 3:36
